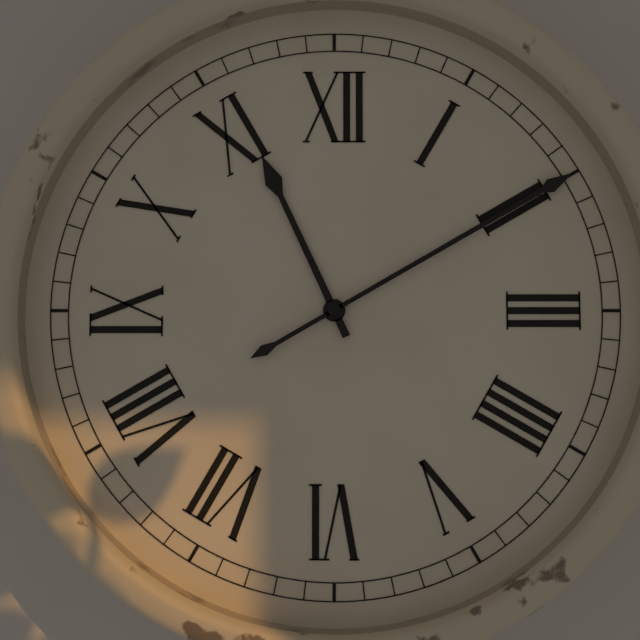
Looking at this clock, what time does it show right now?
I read 11:10
